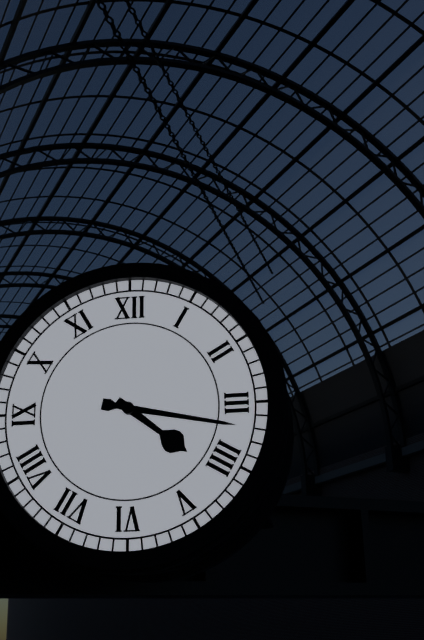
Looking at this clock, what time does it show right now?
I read 4:17
